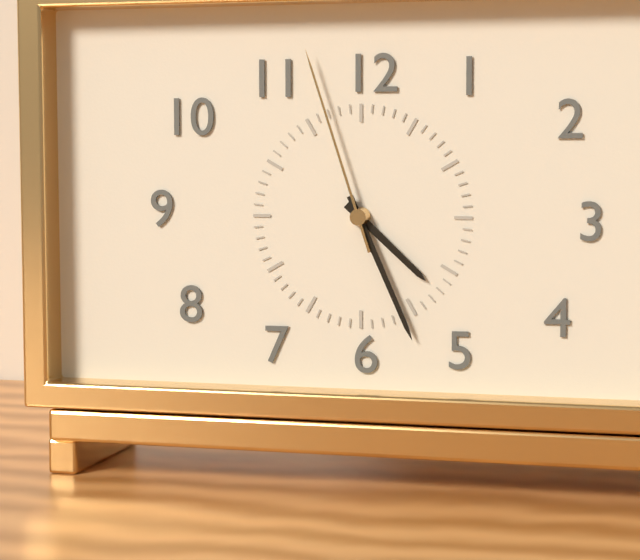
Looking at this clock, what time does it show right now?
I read 4:26:57
